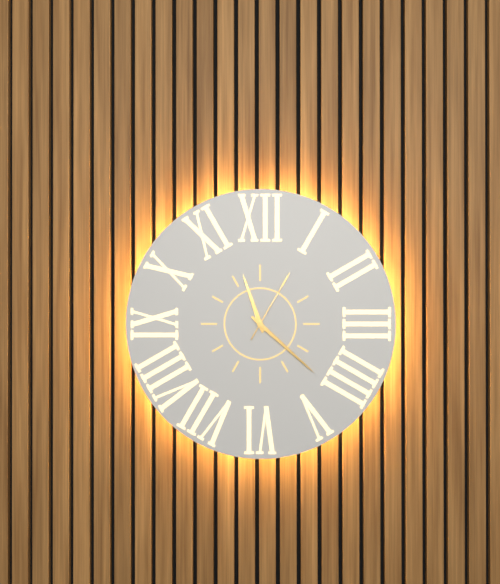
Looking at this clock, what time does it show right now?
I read 11:22:05
